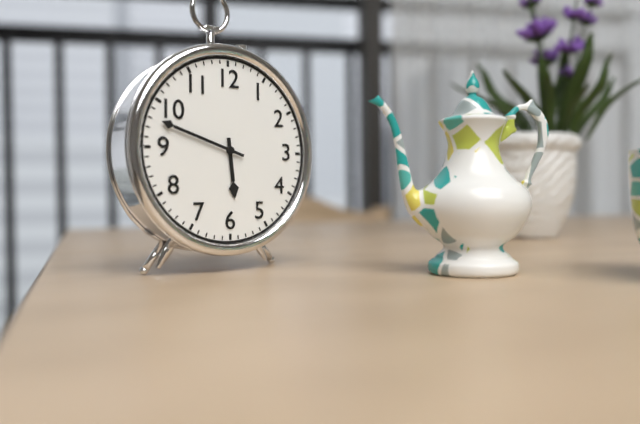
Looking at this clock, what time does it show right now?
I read 5:48
